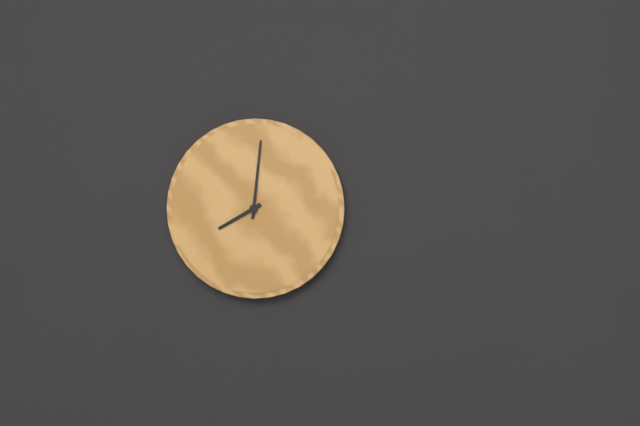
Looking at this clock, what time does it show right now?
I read 8:01
